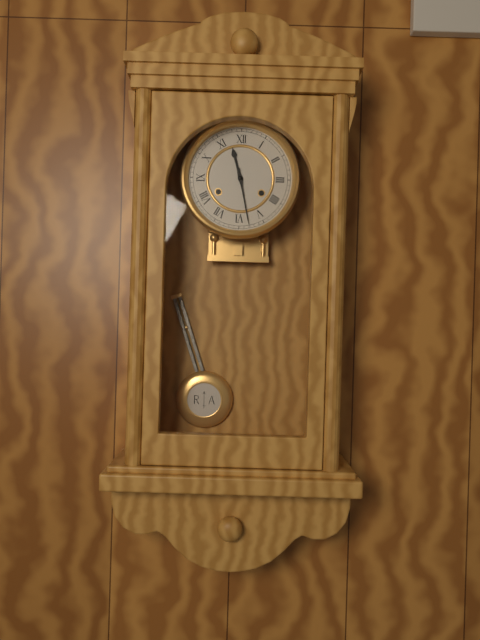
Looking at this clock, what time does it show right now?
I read 11:28
